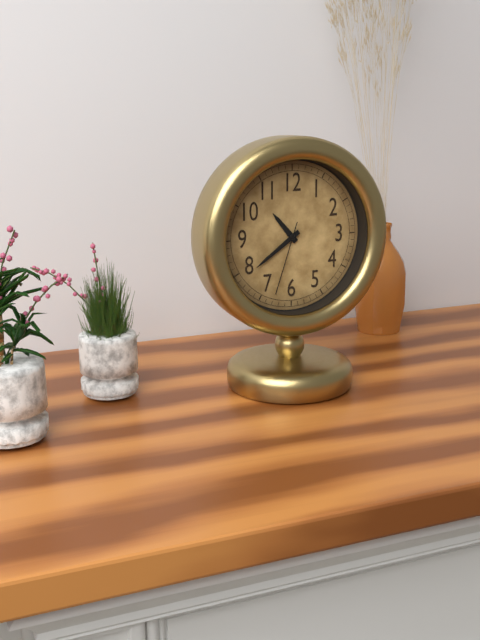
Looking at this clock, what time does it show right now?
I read 10:39:33
